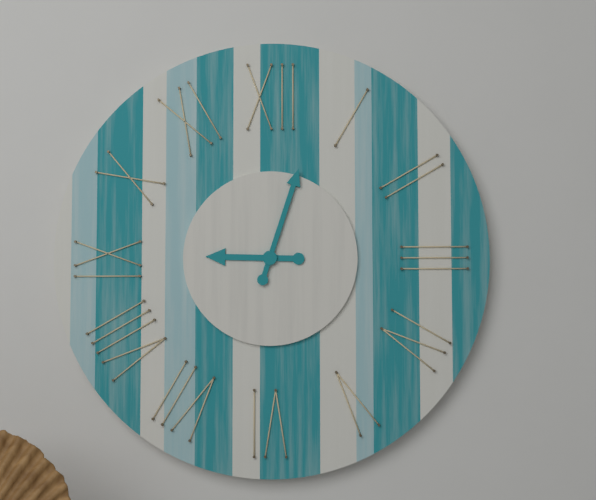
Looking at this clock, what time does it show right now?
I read 9:03
